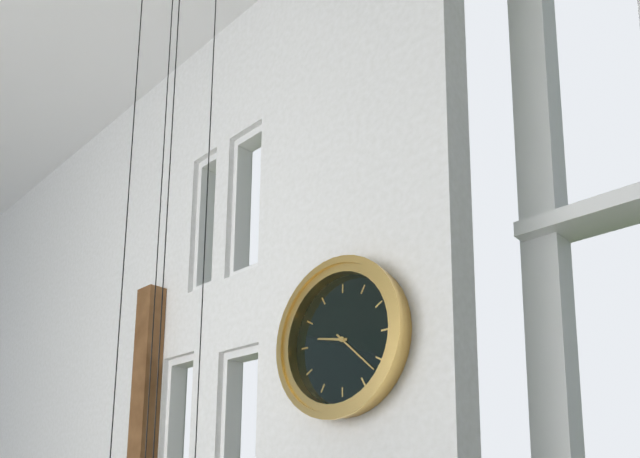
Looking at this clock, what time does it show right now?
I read 9:22
